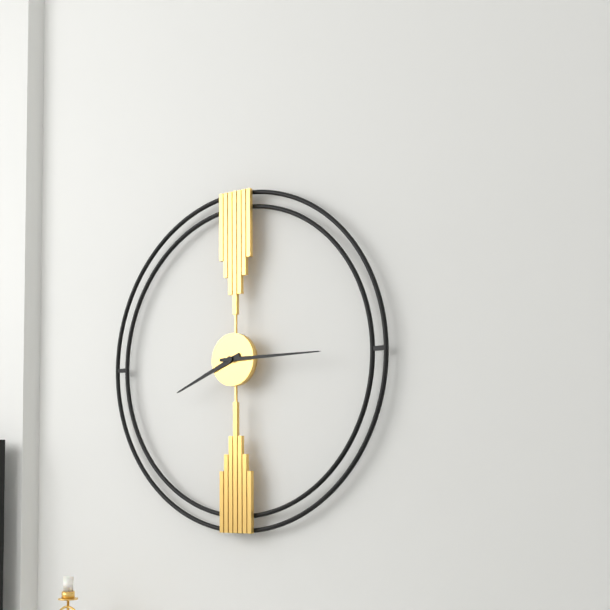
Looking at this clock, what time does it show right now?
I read 8:15
